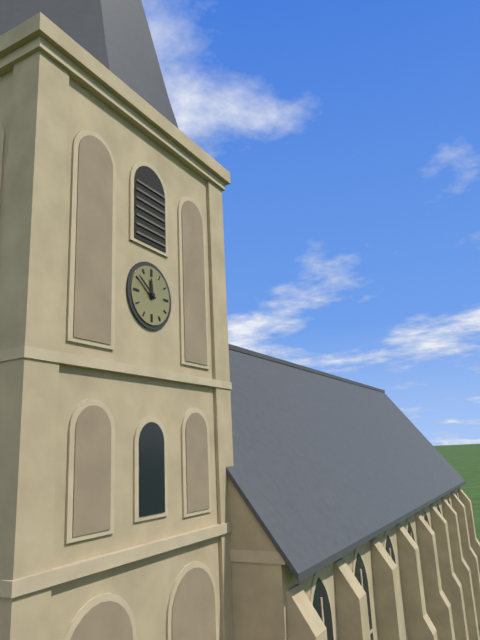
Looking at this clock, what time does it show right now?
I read 11:51
